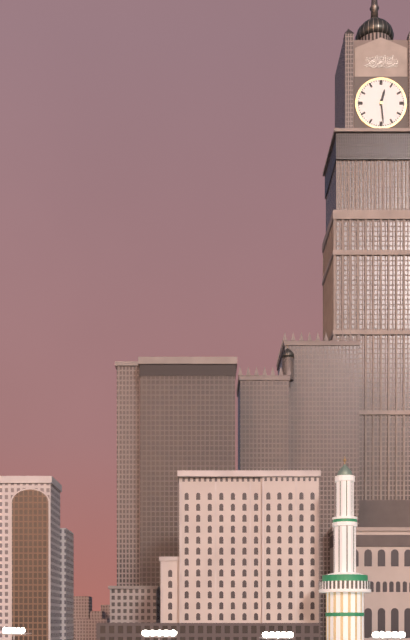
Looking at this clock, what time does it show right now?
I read 12:29
